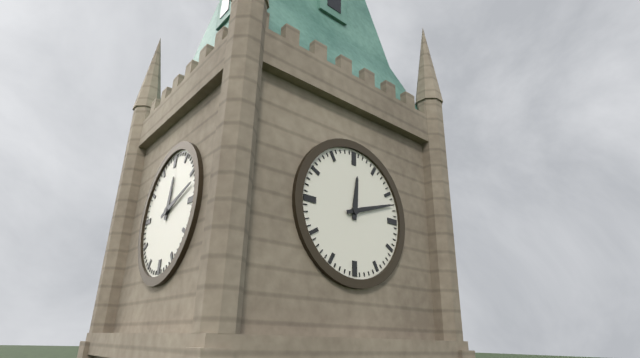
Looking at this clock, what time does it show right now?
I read 12:12
